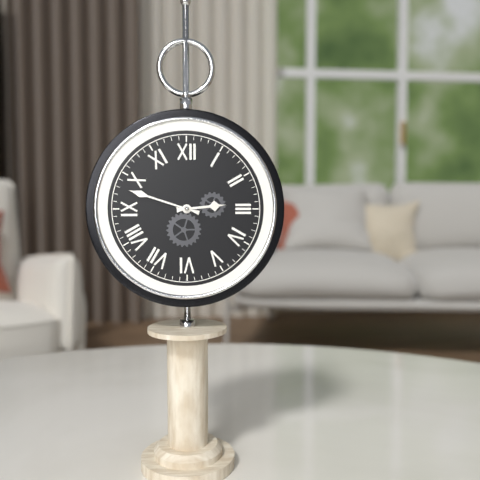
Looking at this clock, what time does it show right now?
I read 2:48
